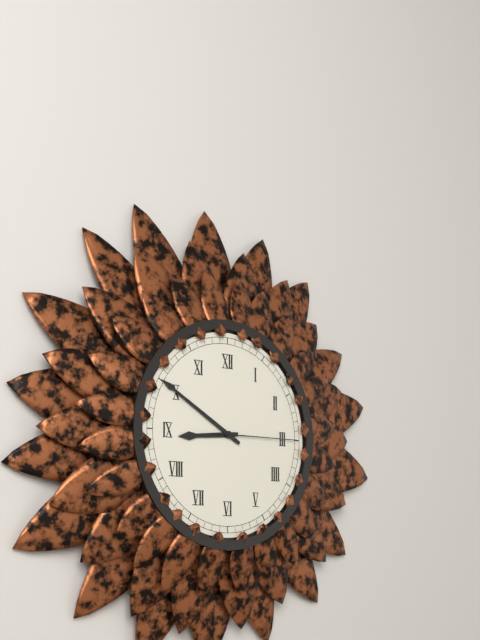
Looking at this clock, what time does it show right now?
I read 8:50:15
